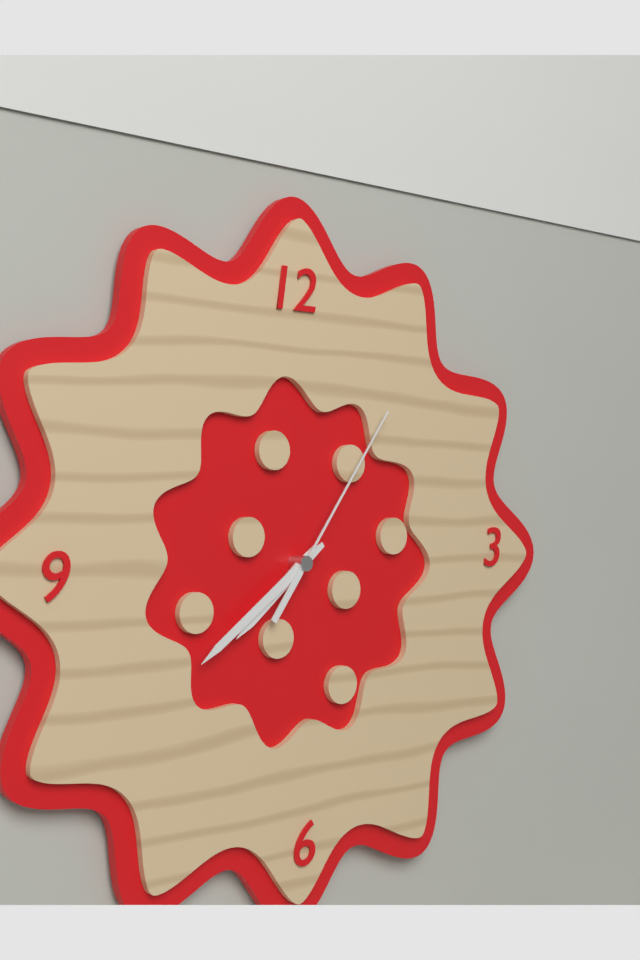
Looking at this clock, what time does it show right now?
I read 7:39:06
